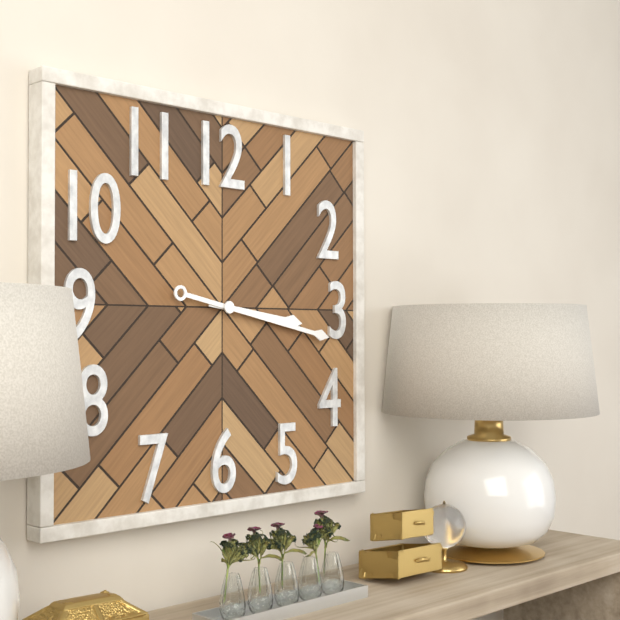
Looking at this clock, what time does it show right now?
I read 3:17
